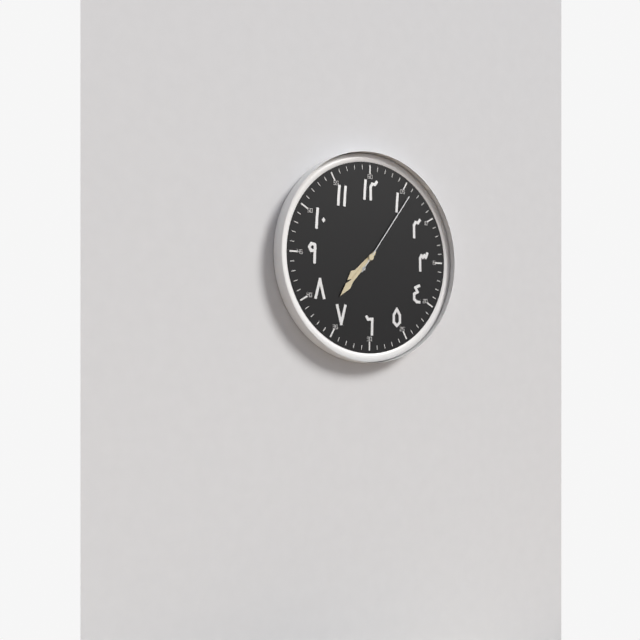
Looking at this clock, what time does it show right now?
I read 7:37:06
